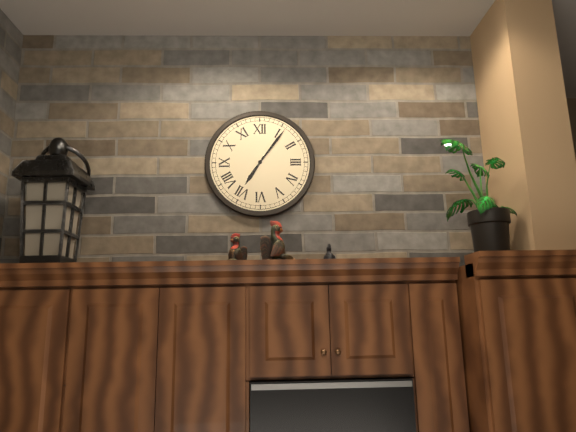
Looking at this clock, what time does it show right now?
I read 7:06
